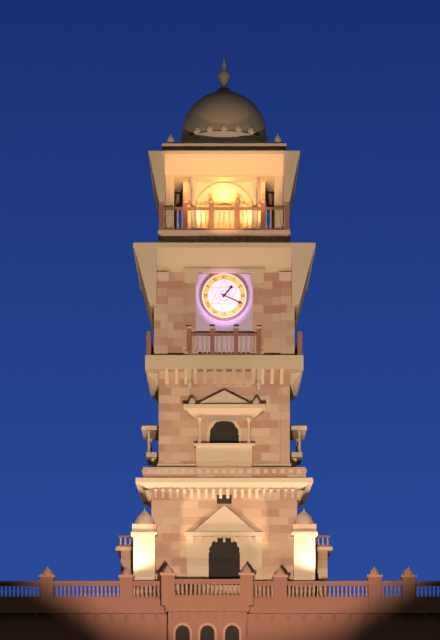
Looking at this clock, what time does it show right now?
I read 1:19
